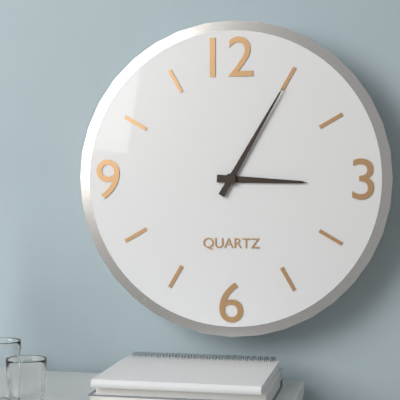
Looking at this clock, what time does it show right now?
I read 3:05
